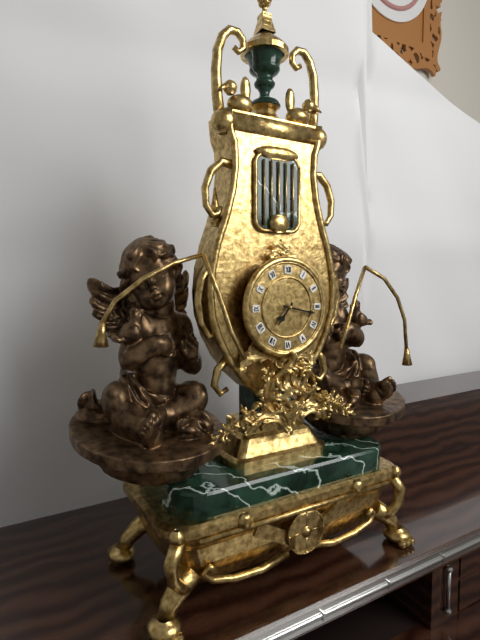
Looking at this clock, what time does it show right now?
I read 7:17
